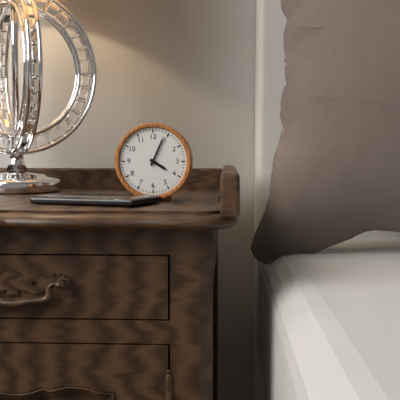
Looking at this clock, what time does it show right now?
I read 4:04
